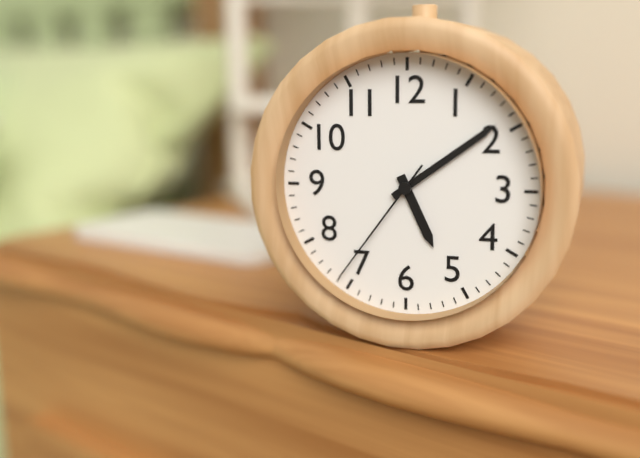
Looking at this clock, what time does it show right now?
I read 5:09:36
